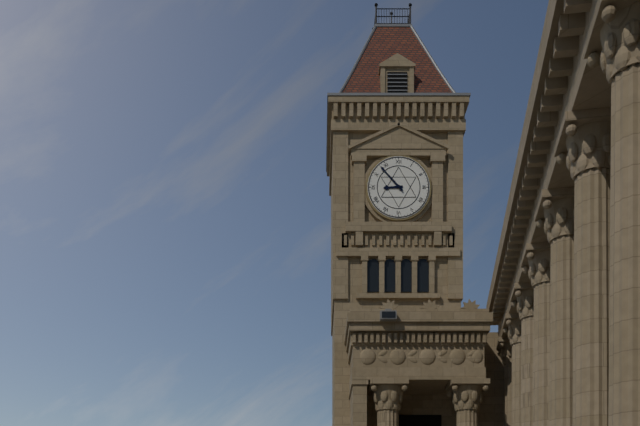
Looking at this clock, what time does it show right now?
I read 8:53
